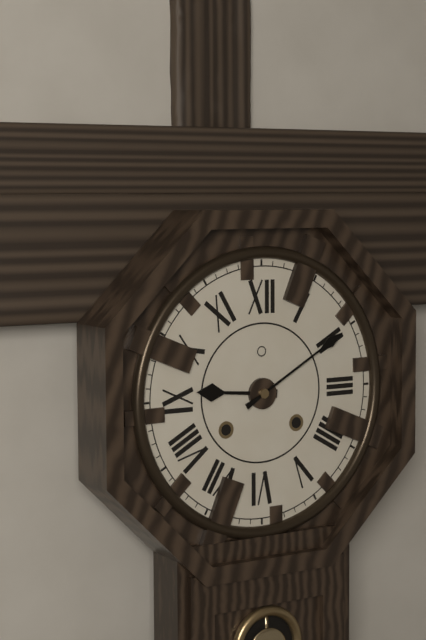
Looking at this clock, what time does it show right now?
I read 9:10
